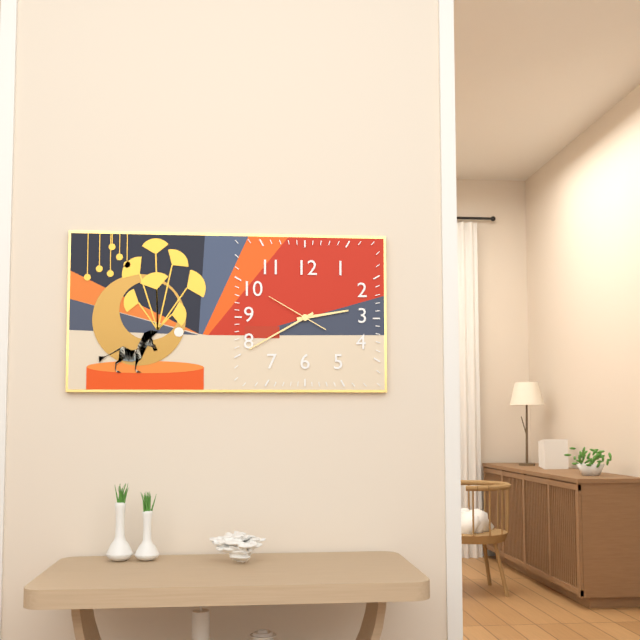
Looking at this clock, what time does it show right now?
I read 2:40:50
